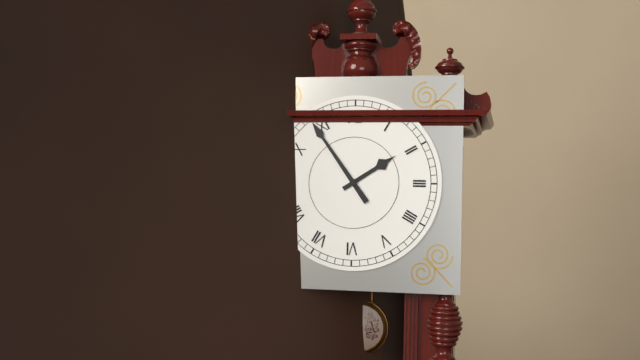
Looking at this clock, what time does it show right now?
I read 1:54
